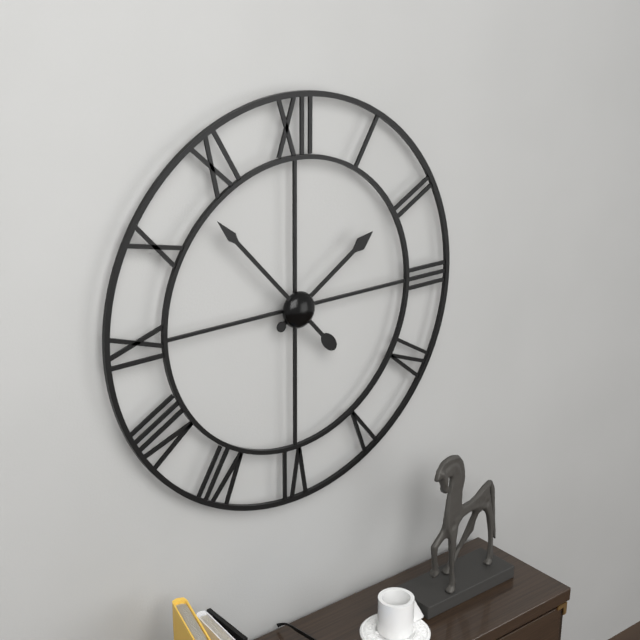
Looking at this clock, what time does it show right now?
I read 1:53
